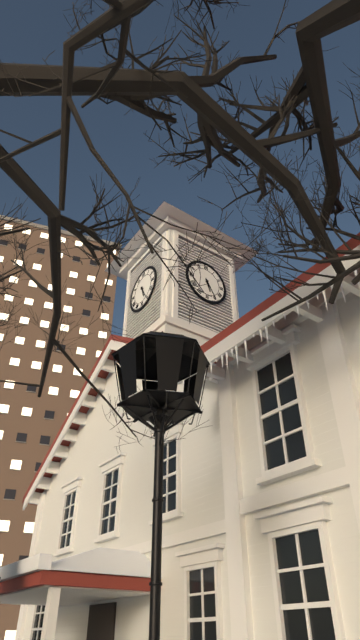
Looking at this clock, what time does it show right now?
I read 5:25
